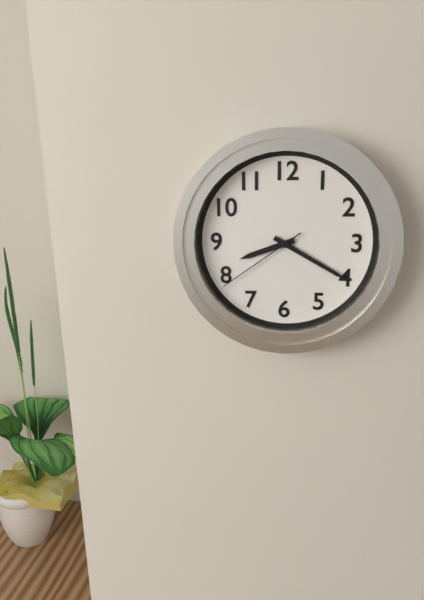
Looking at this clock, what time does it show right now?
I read 8:20:39
